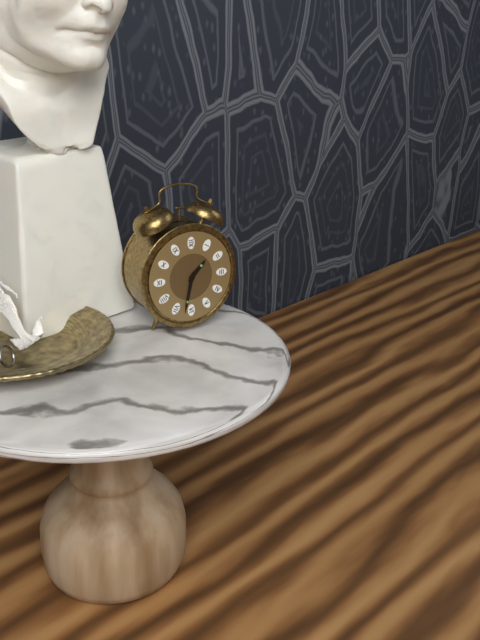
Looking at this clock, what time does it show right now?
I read 1:32
